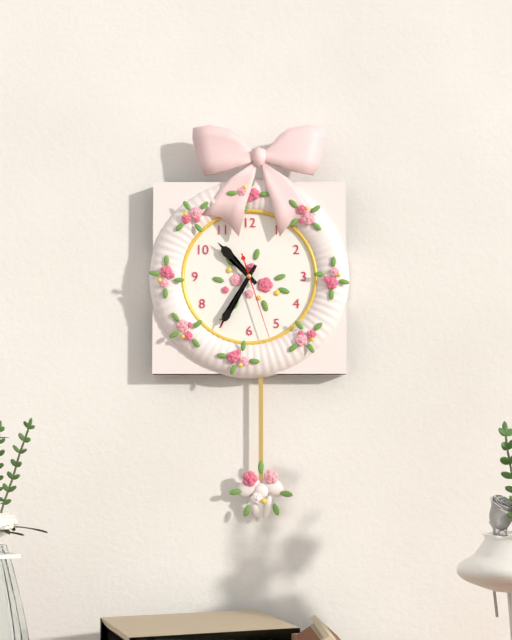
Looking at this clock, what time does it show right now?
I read 10:35:27
